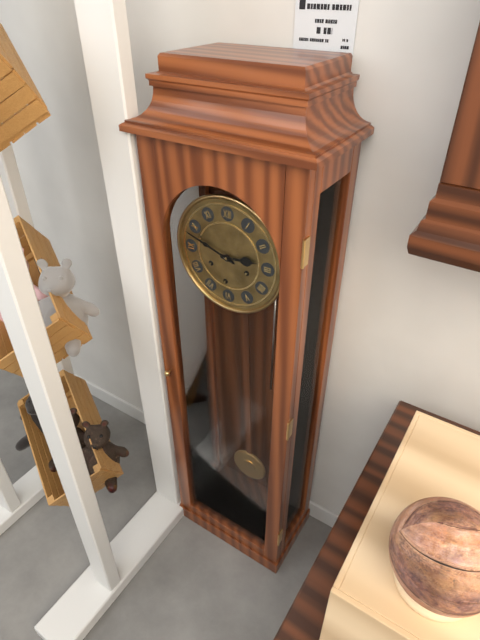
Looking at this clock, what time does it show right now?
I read 2:48
